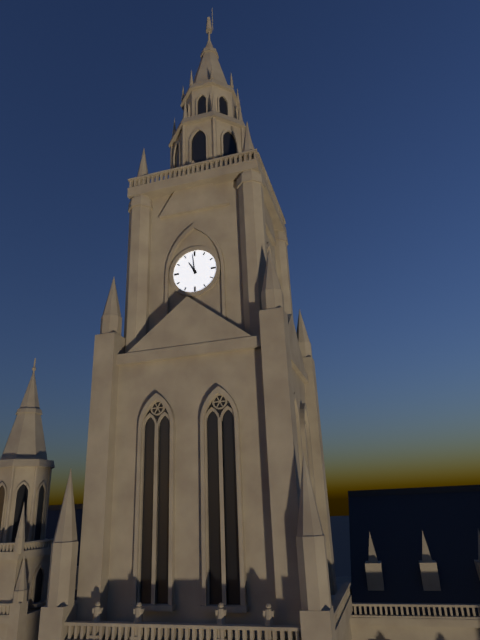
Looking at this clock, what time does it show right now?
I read 10:59
